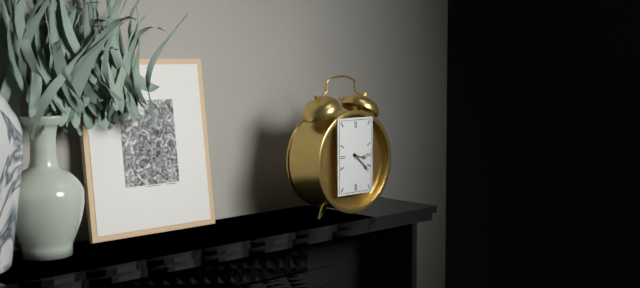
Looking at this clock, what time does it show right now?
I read 3:22
